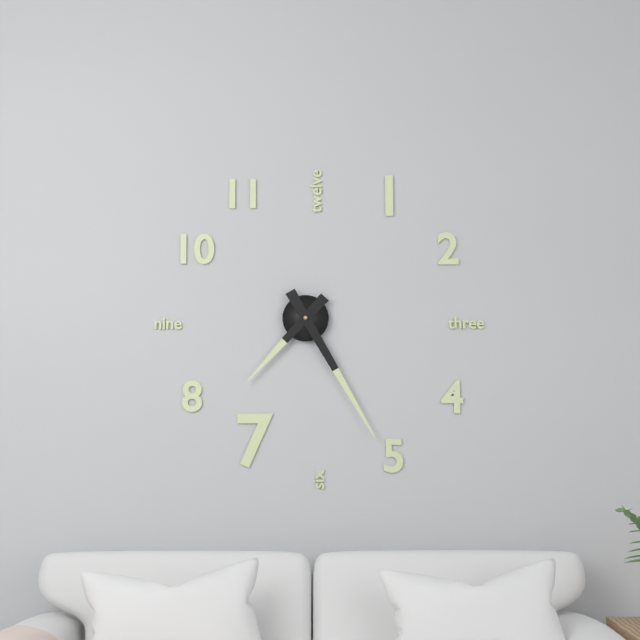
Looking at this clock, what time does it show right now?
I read 7:25
